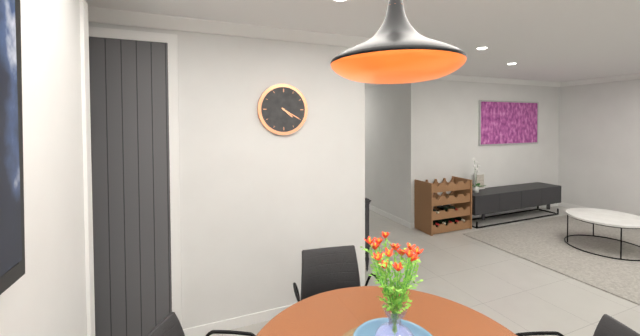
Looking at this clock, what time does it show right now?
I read 4:20
